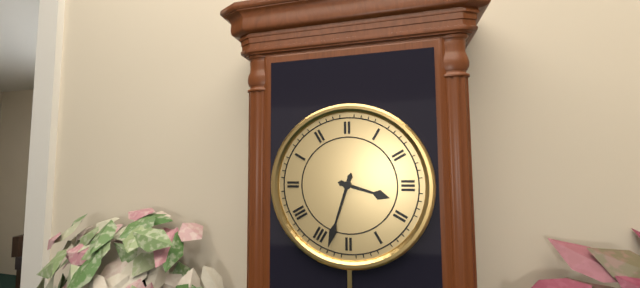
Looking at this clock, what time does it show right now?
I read 3:33
